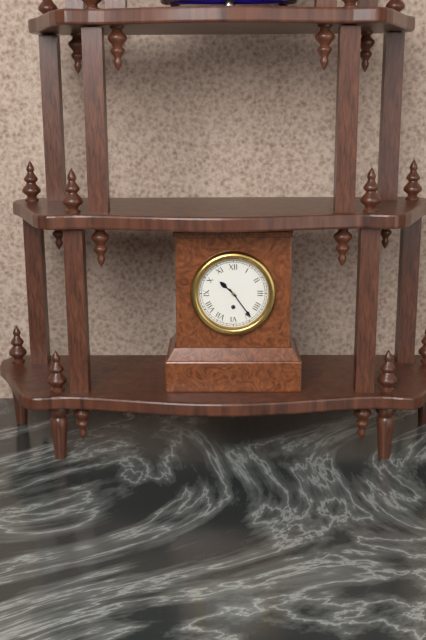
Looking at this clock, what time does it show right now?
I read 10:24
